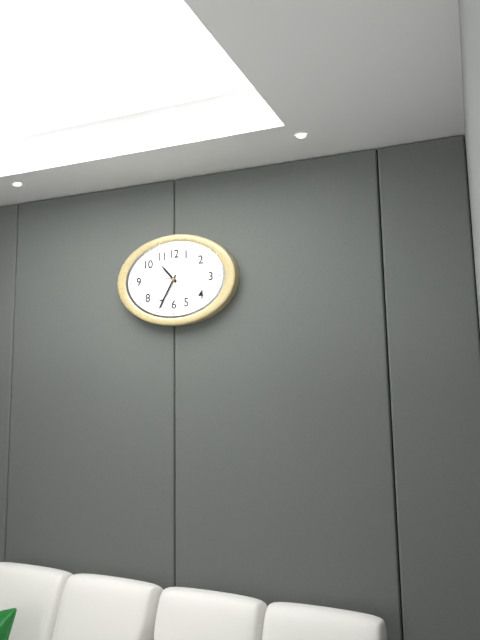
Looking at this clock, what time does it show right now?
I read 10:35
